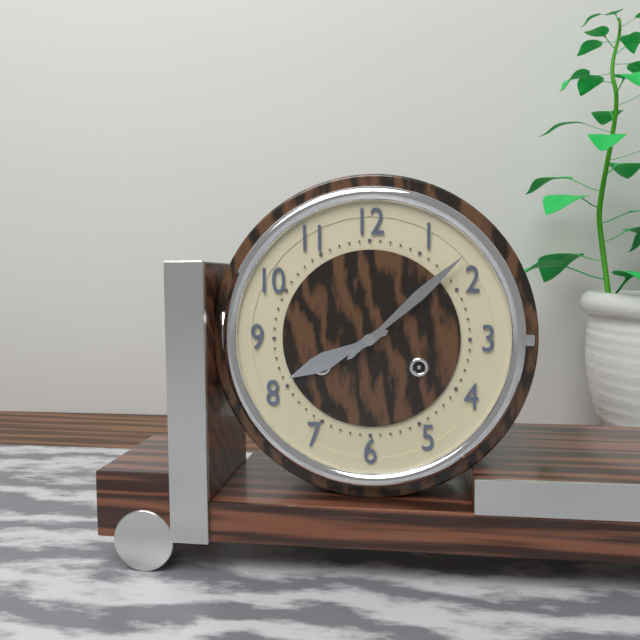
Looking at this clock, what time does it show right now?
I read 8:08
